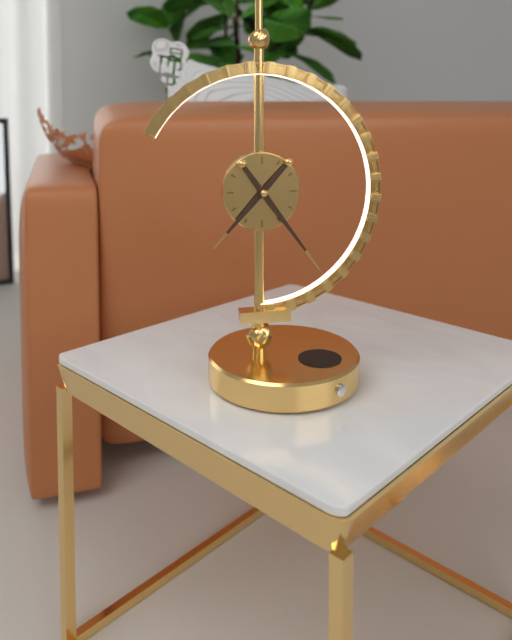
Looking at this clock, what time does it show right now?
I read 7:24
